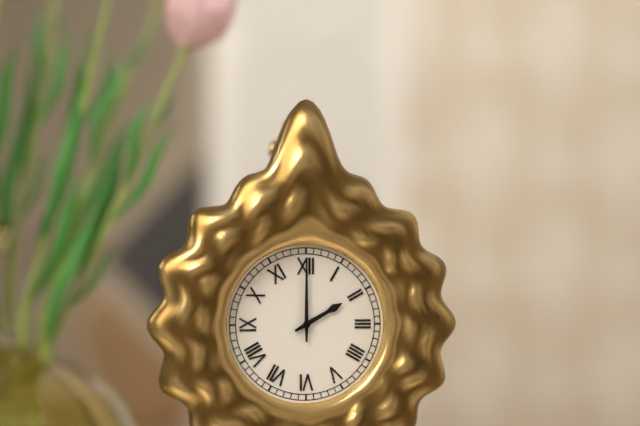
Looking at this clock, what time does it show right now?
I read 2:00
